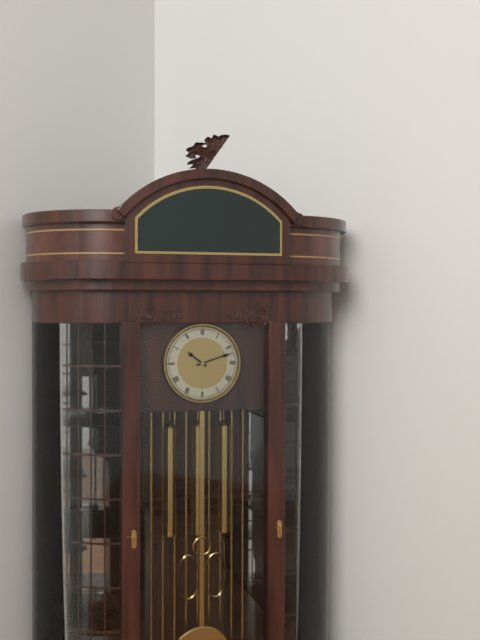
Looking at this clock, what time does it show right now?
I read 10:12
